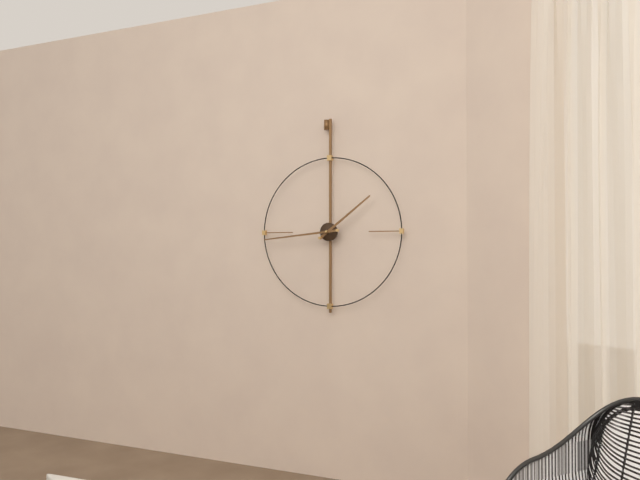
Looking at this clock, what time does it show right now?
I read 1:44
